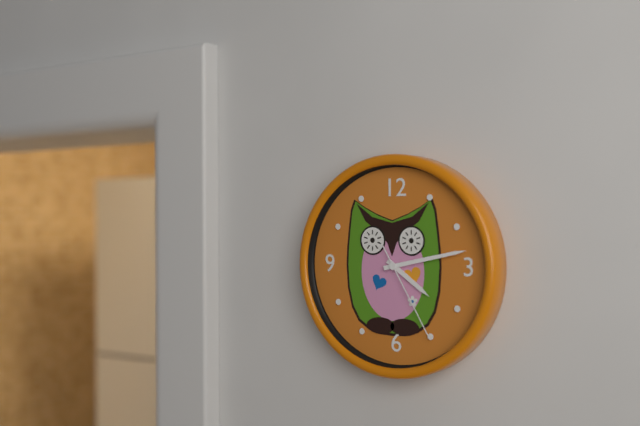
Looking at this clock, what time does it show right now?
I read 4:13:25
